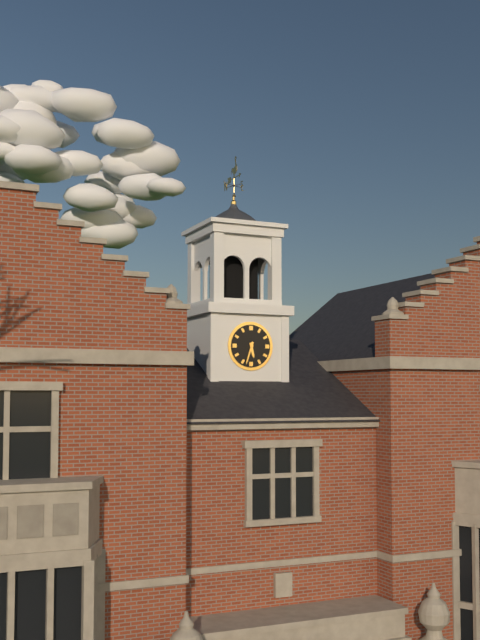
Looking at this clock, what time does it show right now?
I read 5:33
